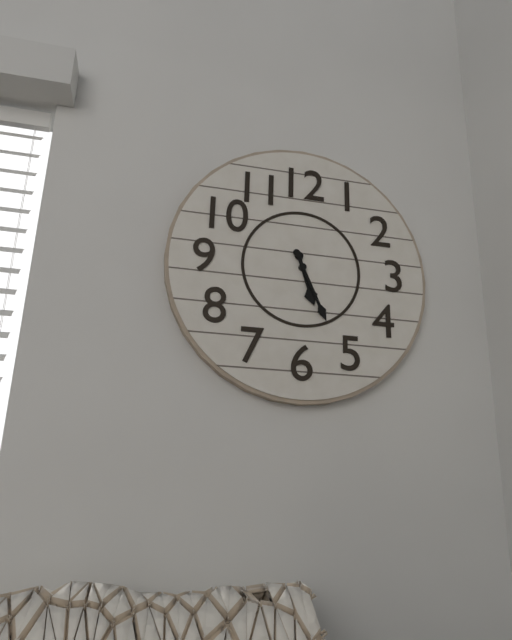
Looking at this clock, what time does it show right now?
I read 5:26
